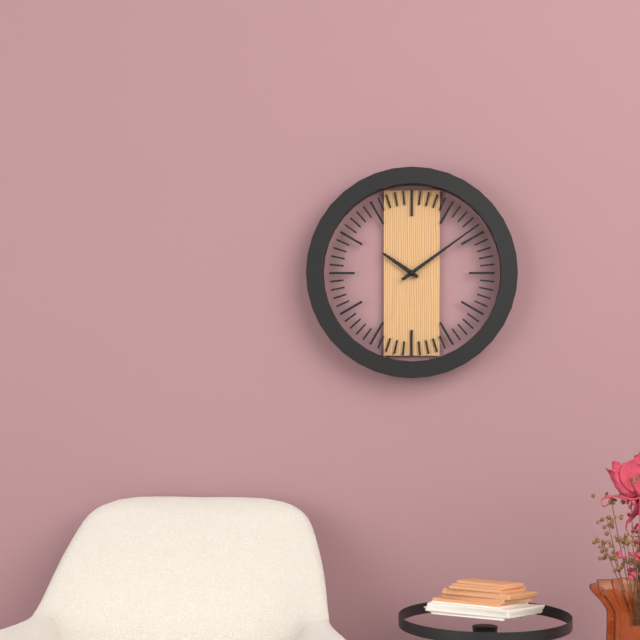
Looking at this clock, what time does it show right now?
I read 10:09
